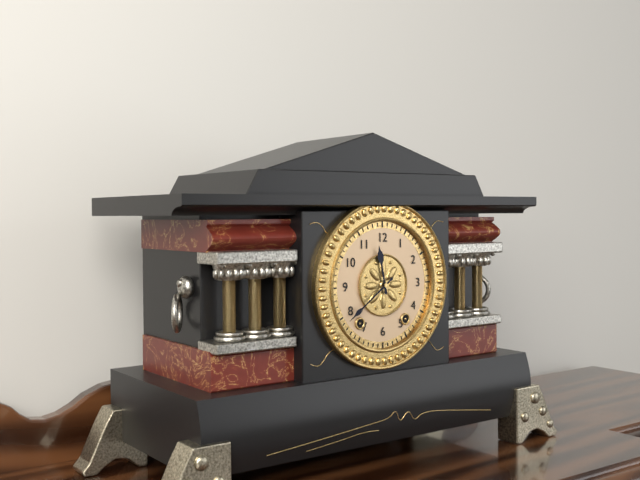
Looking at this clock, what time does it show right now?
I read 11:39
